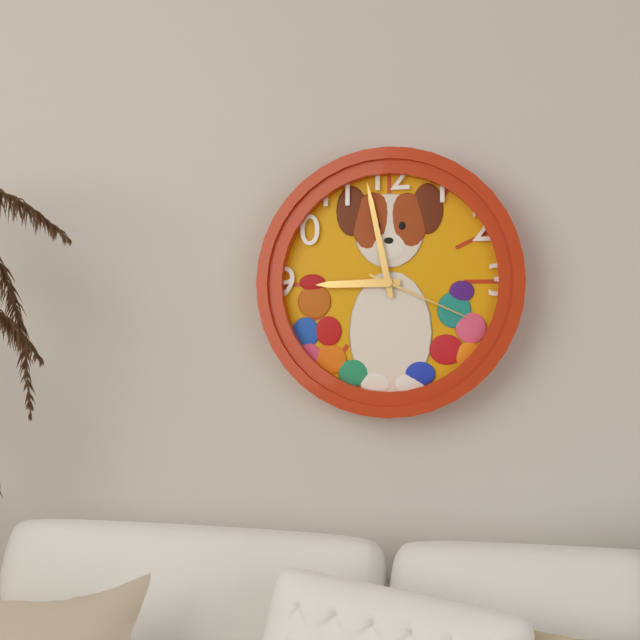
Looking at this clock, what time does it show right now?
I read 8:58:19
